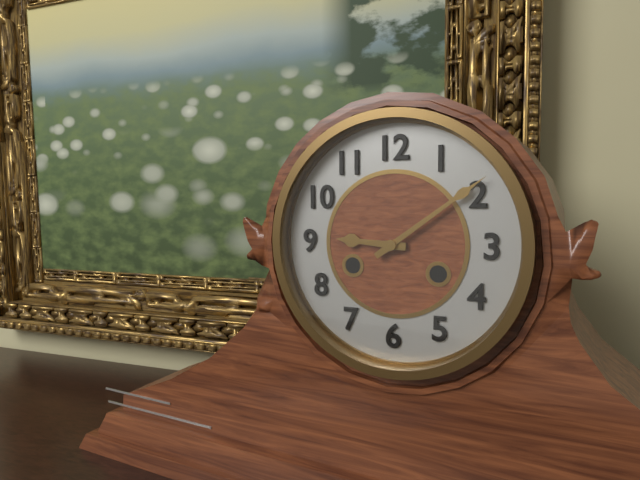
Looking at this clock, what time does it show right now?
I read 9:09
